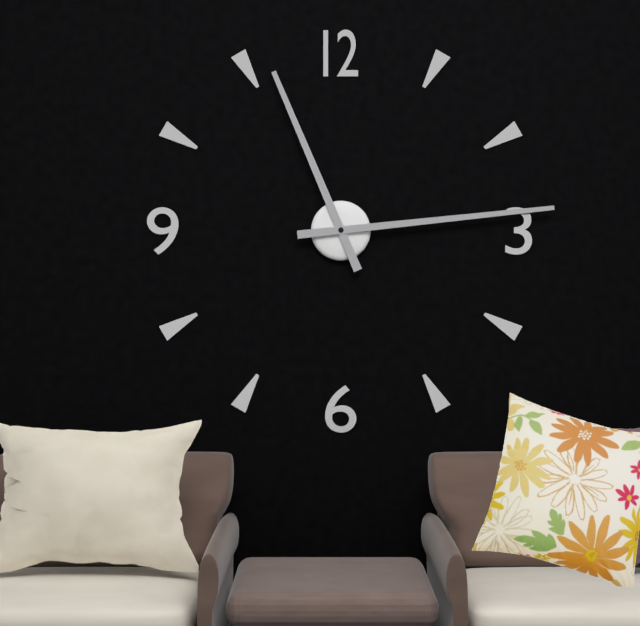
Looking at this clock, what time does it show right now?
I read 11:14
